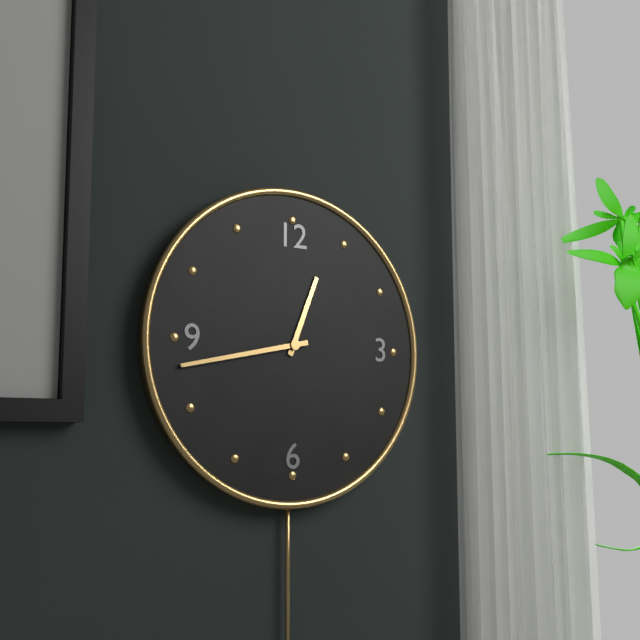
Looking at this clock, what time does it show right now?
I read 12:43
